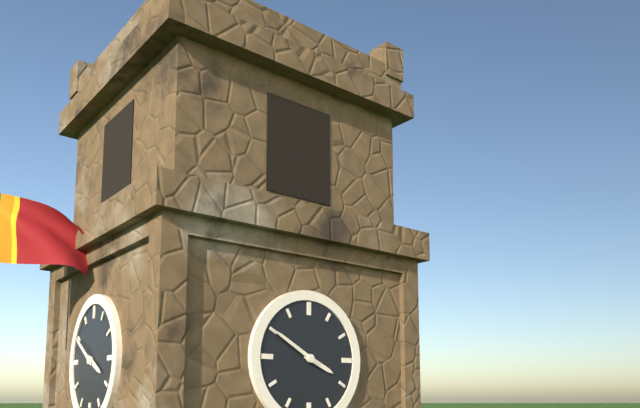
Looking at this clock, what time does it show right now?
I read 3:50
